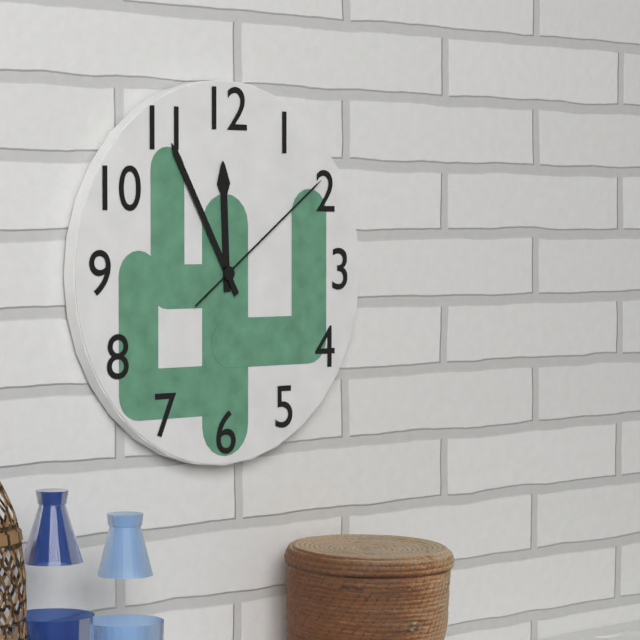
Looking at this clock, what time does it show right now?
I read 11:55:09
